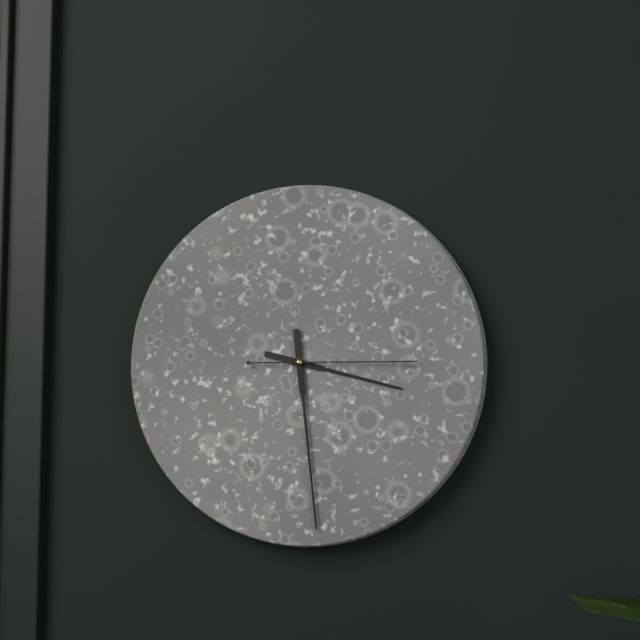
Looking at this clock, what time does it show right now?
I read 3:29:15
